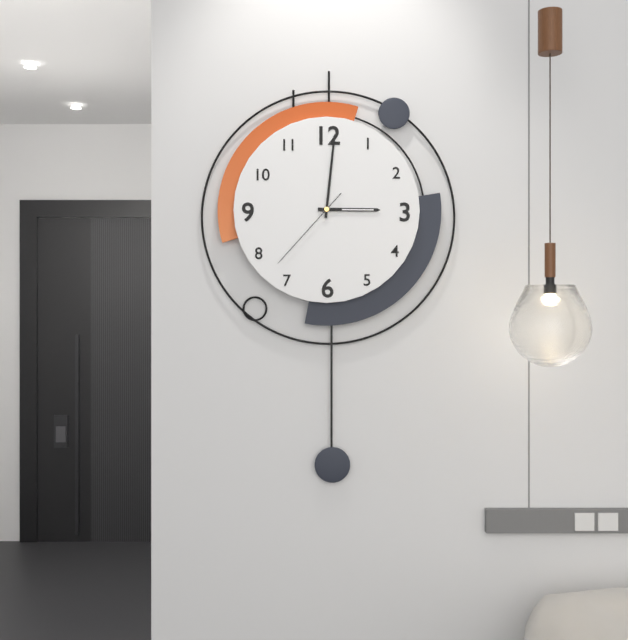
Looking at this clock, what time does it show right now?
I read 3:01:37
